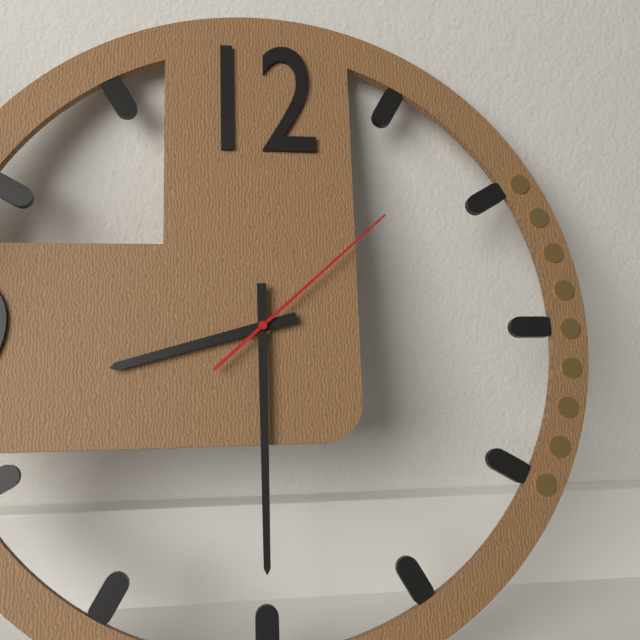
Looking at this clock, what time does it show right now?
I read 8:30:08
